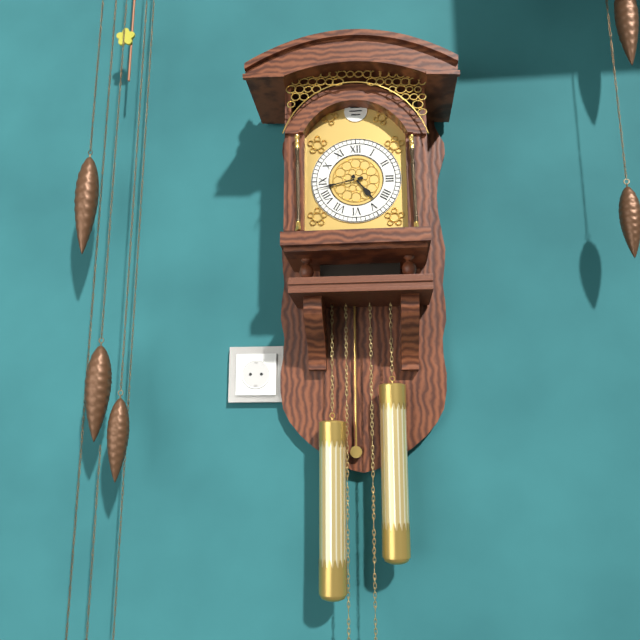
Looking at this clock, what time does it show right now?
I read 4:43
